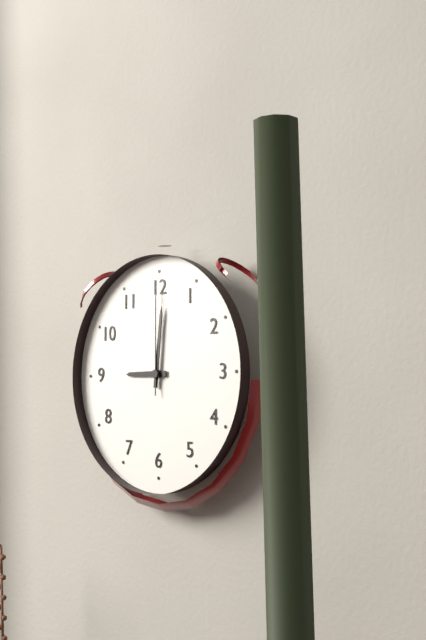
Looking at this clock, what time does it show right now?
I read 9:01:00
